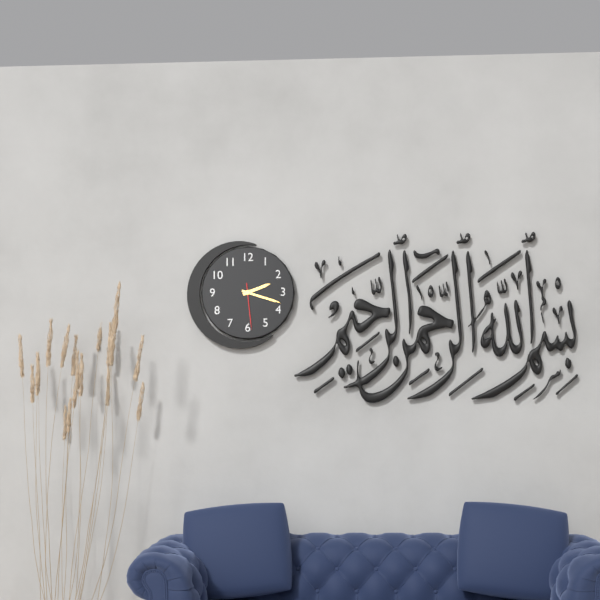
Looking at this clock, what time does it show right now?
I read 2:18
